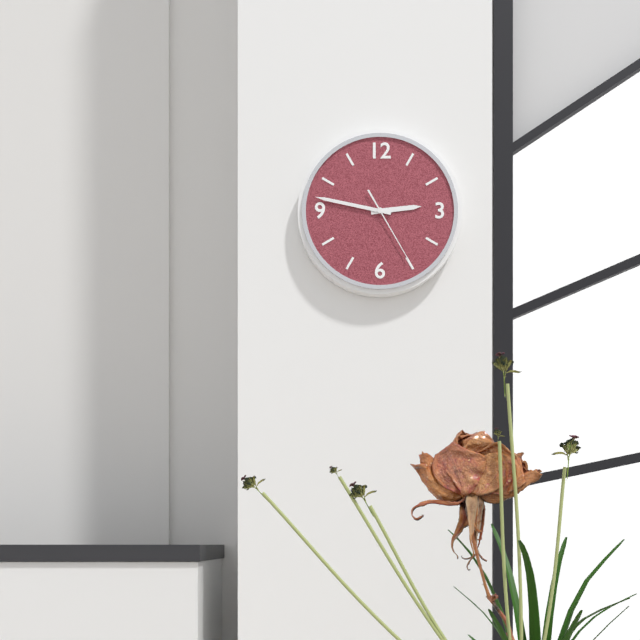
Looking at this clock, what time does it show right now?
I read 2:47:25
